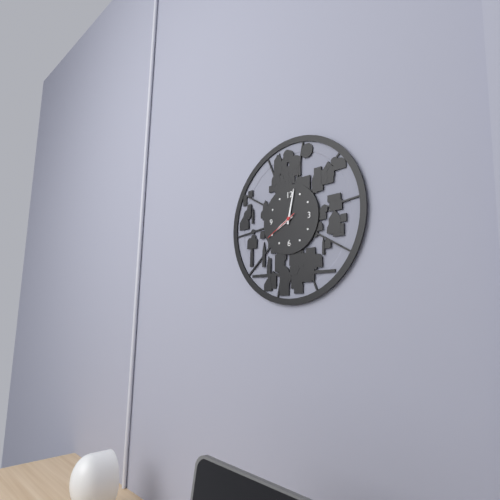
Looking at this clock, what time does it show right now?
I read 8:02
